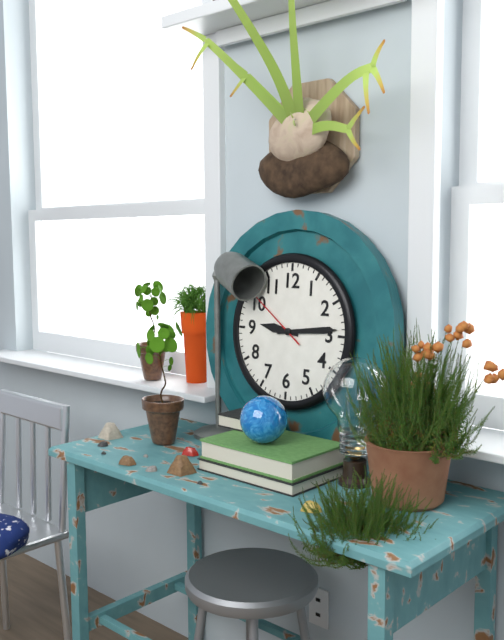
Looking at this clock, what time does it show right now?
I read 9:14:51
